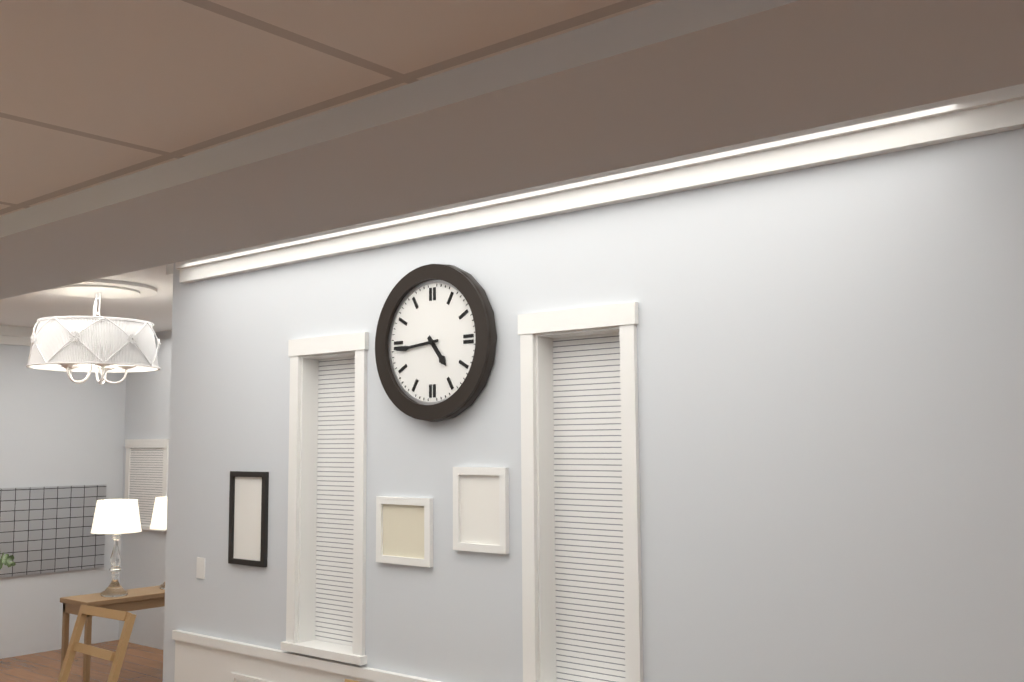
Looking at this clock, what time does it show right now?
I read 4:44
